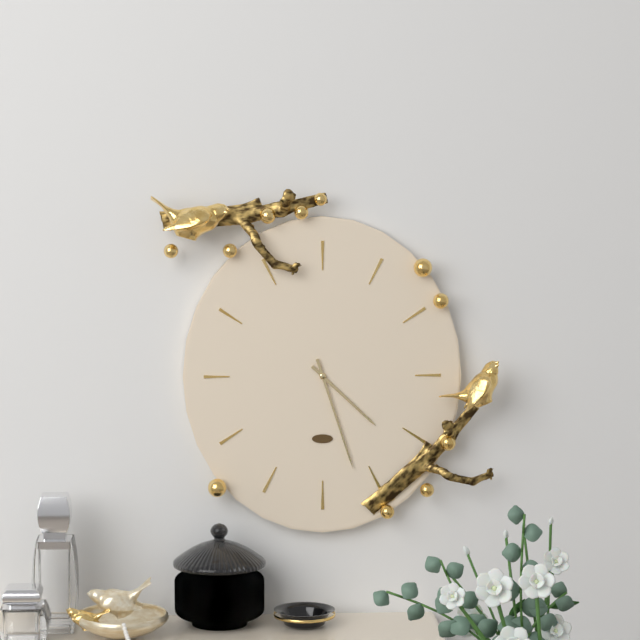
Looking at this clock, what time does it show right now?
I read 4:27
